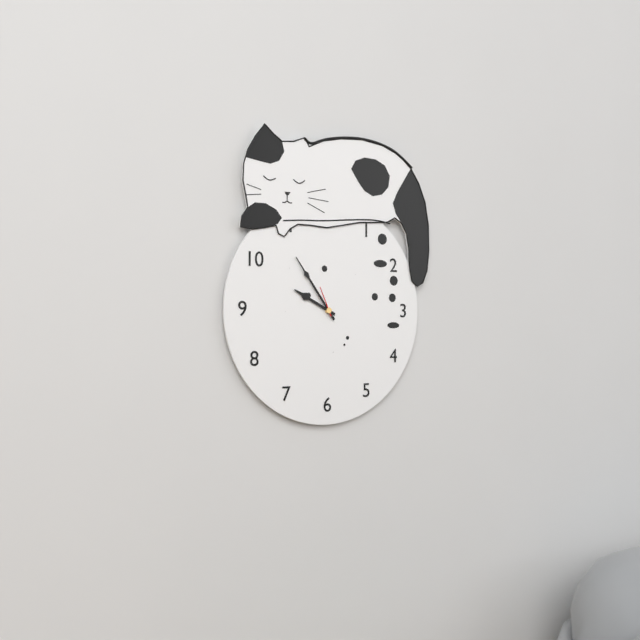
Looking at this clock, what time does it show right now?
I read 9:54
